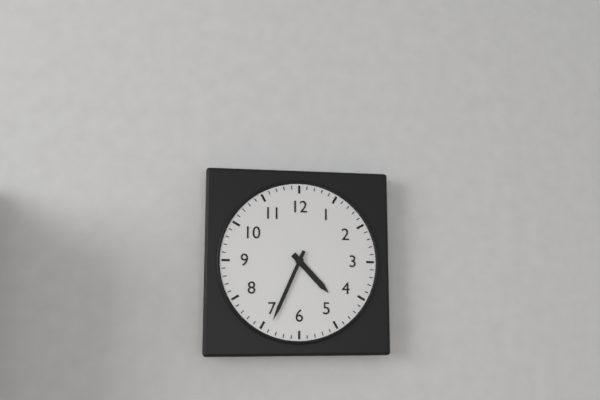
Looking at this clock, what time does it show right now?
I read 4:34
